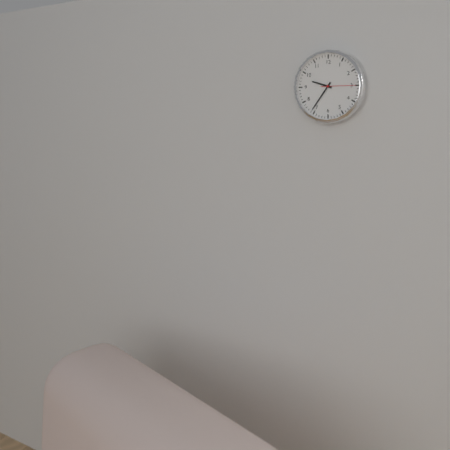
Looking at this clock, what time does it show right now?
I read 9:36
